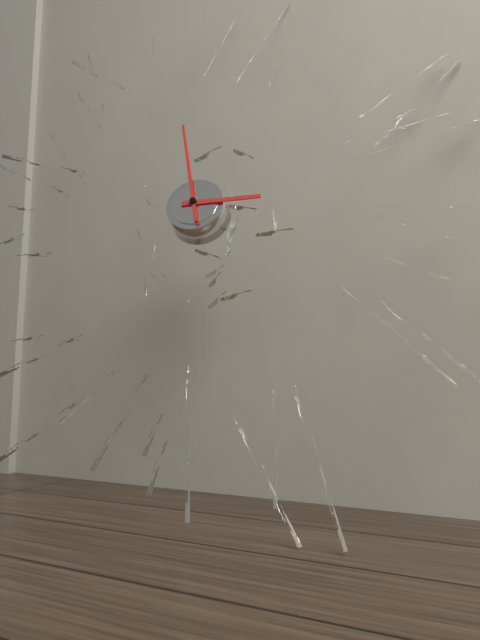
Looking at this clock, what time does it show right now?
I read 2:58
